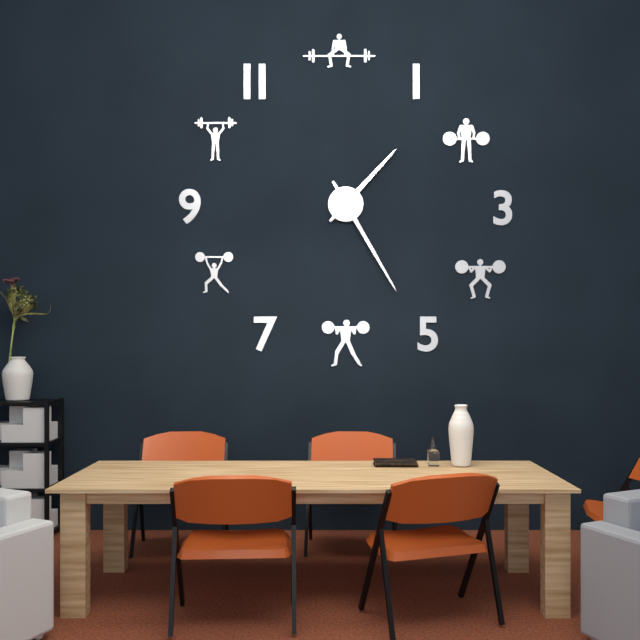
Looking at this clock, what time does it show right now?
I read 1:25
